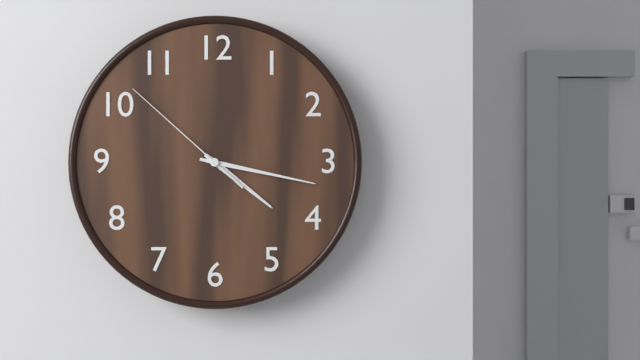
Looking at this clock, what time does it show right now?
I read 4:17:52
